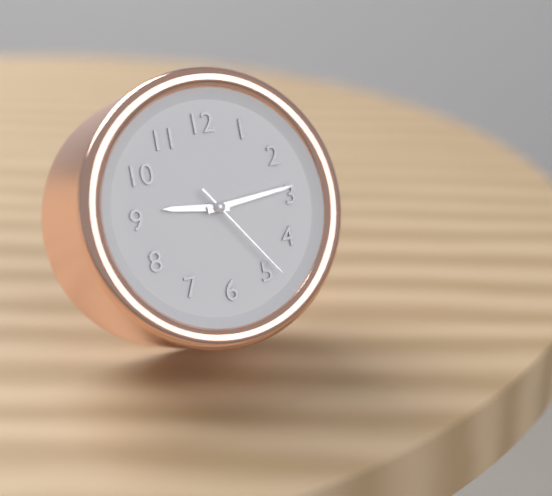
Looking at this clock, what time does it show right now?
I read 9:14:24
